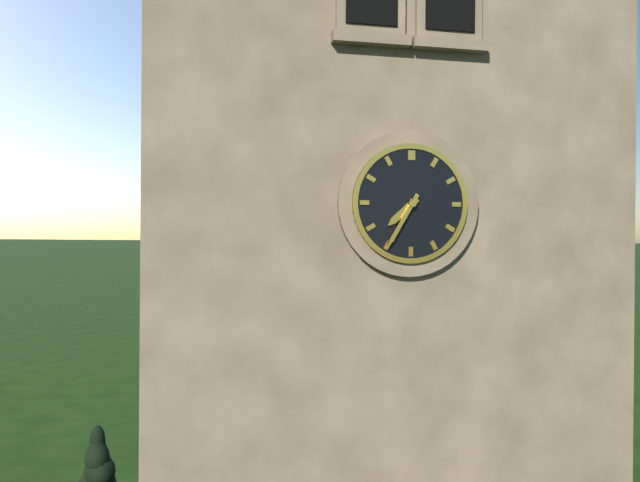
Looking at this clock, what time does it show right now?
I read 7:35
